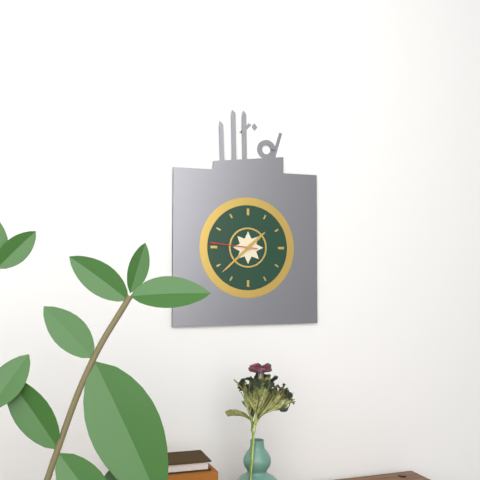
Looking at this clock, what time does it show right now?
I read 1:38
